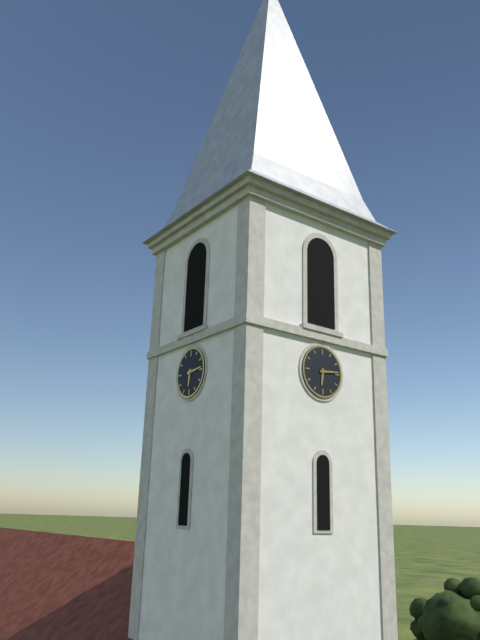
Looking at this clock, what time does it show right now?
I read 6:14
